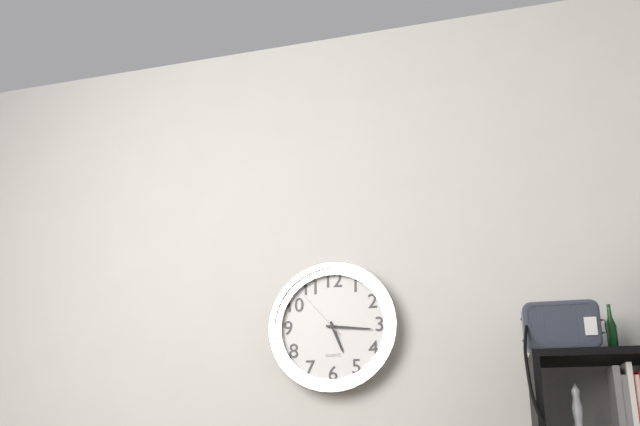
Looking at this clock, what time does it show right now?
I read 5:16:53
